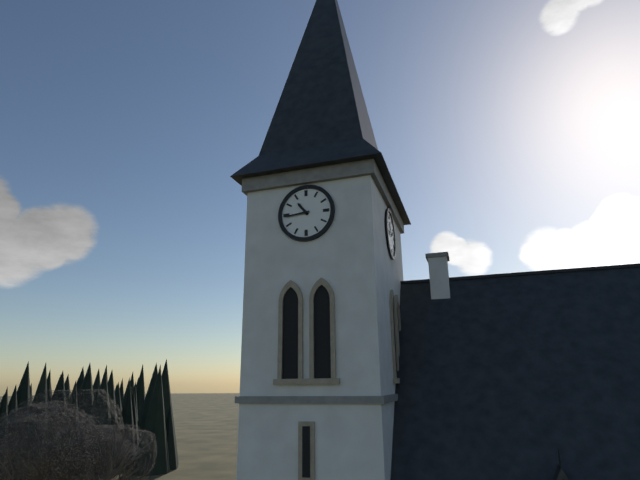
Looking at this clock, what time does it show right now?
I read 10:44
